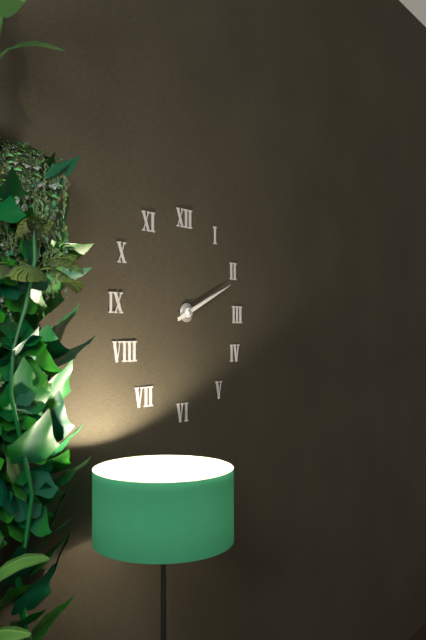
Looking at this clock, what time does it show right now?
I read 2:11
